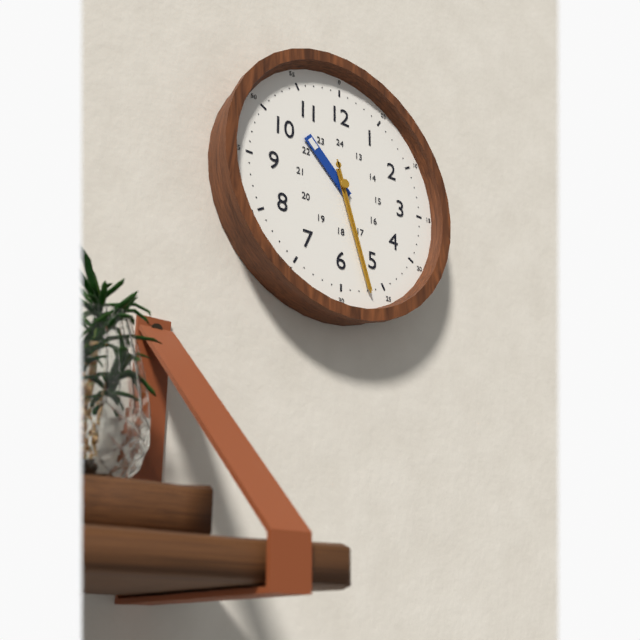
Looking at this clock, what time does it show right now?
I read 10:27:27
